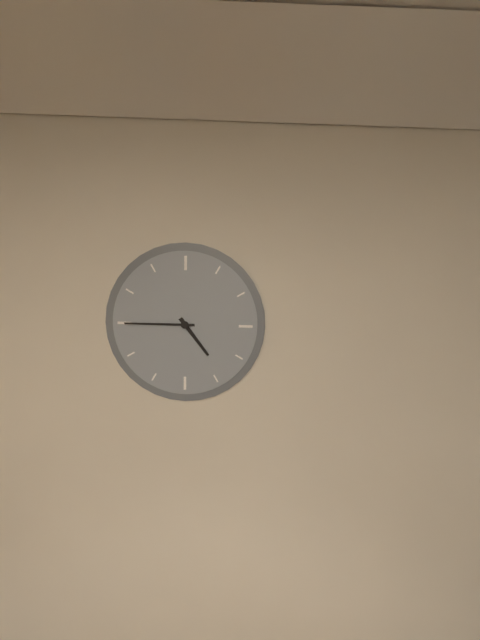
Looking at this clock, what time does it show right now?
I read 4:45
